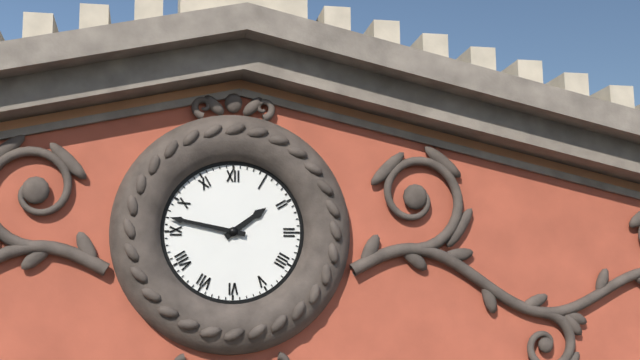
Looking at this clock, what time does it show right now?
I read 1:47
